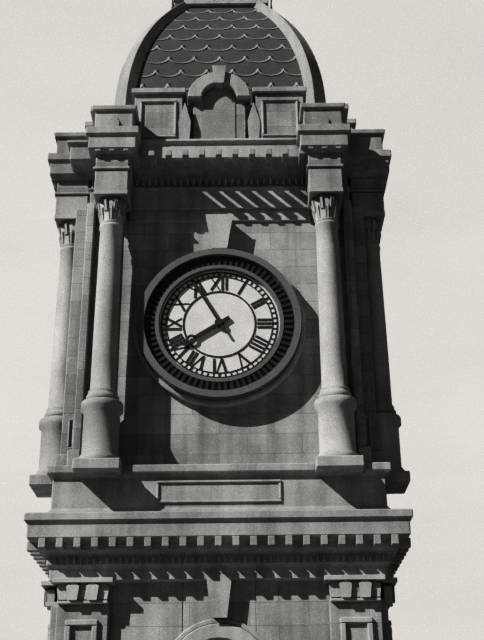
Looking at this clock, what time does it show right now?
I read 7:55
